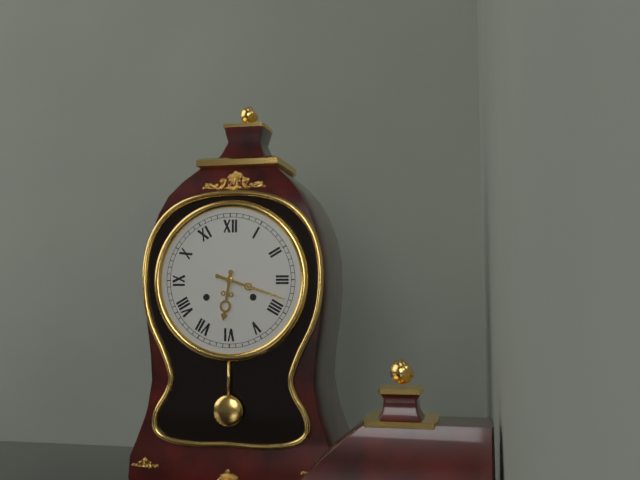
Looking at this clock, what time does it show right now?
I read 6:18
